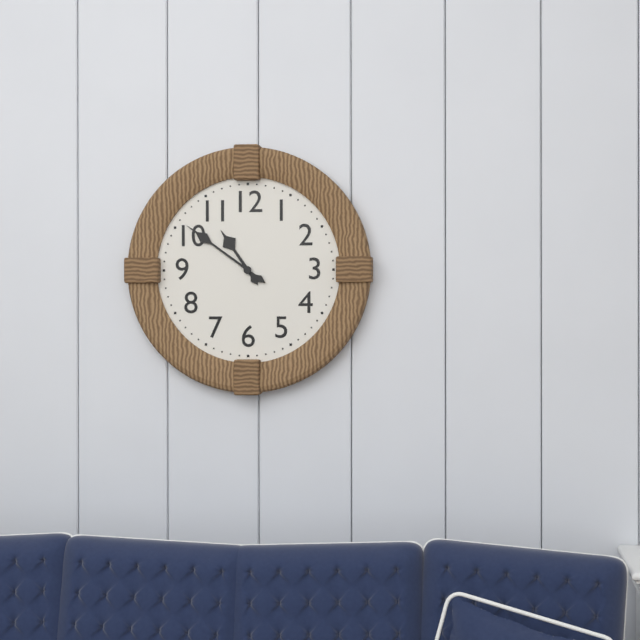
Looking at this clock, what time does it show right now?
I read 10:51
